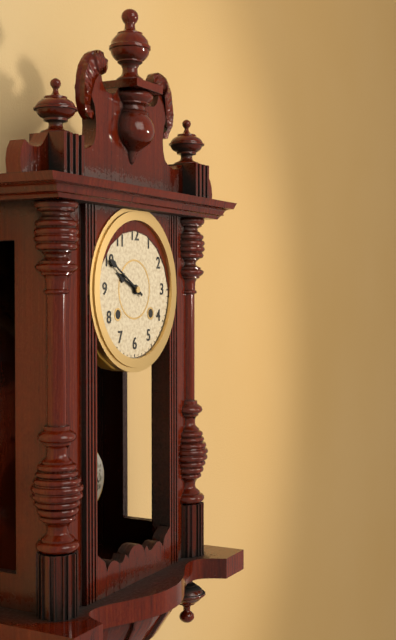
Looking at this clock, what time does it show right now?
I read 9:50
